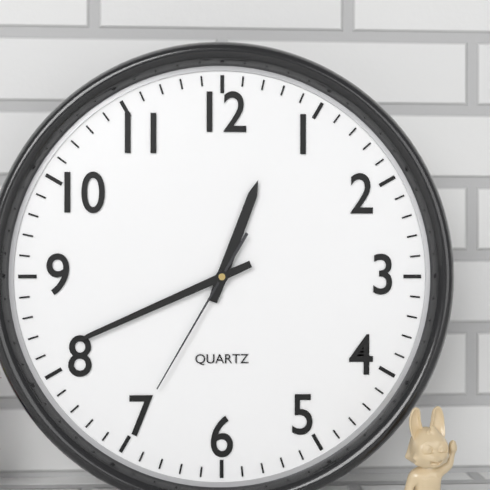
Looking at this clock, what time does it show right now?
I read 12:41:35
